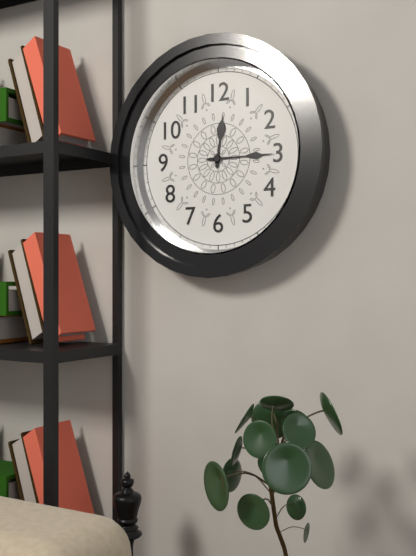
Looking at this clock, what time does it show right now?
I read 12:15
